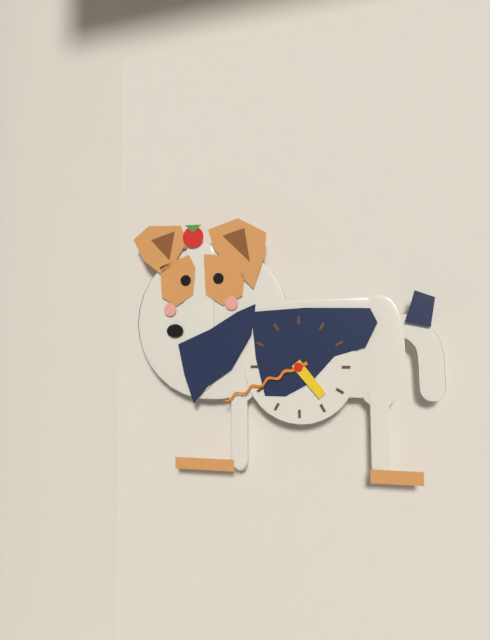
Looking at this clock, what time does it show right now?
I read 4:41
